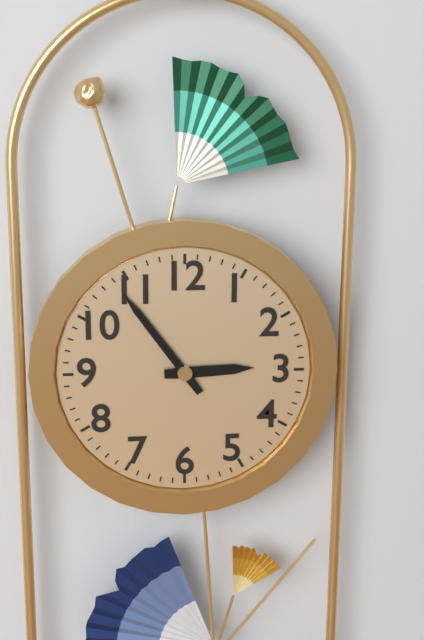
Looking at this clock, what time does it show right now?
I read 2:54
